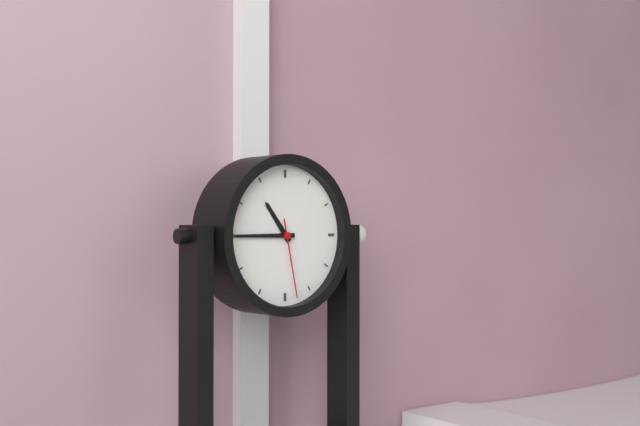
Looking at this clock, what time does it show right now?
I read 10:45:28
